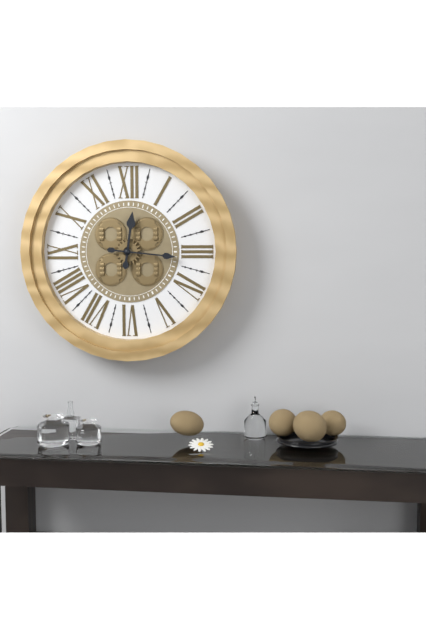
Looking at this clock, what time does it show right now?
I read 12:16
